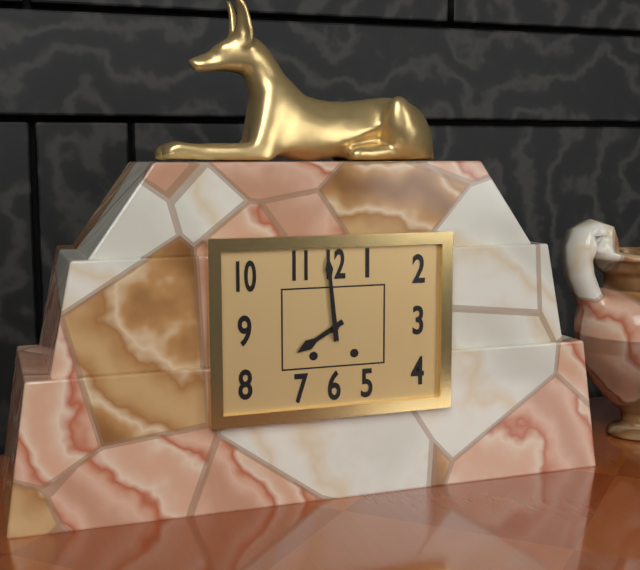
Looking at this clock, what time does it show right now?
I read 7:59
